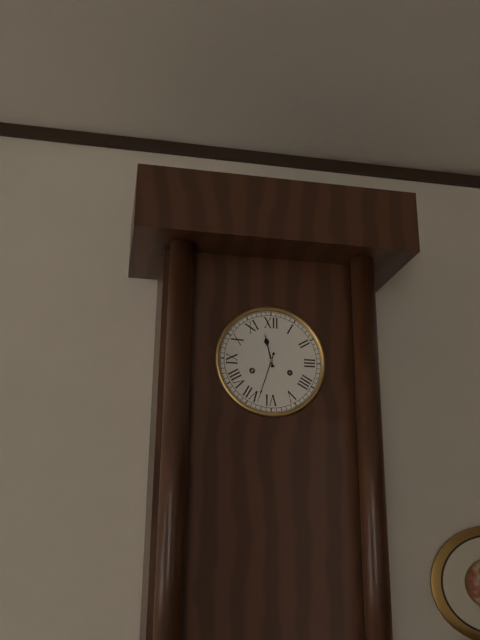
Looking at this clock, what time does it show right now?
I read 11:33
